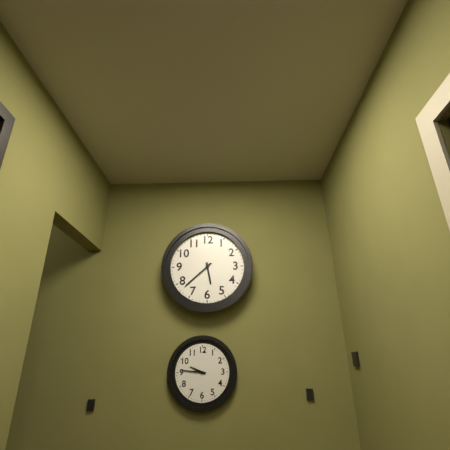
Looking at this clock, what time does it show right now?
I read 5:38
